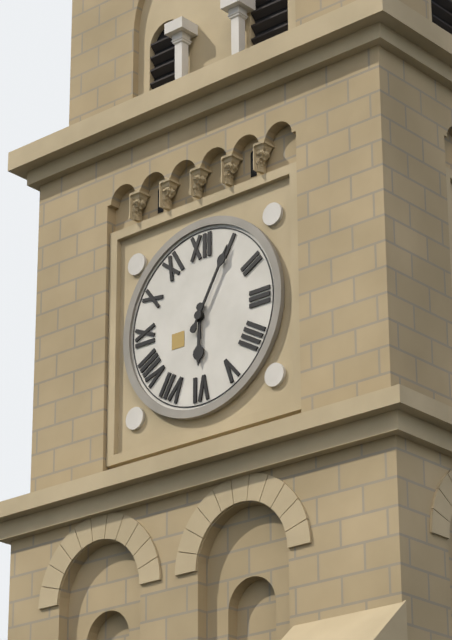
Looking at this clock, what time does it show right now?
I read 6:05
